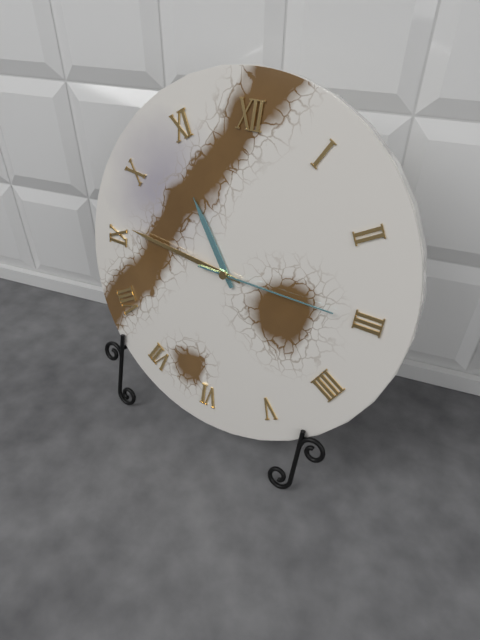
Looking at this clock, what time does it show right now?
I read 10:46:15
